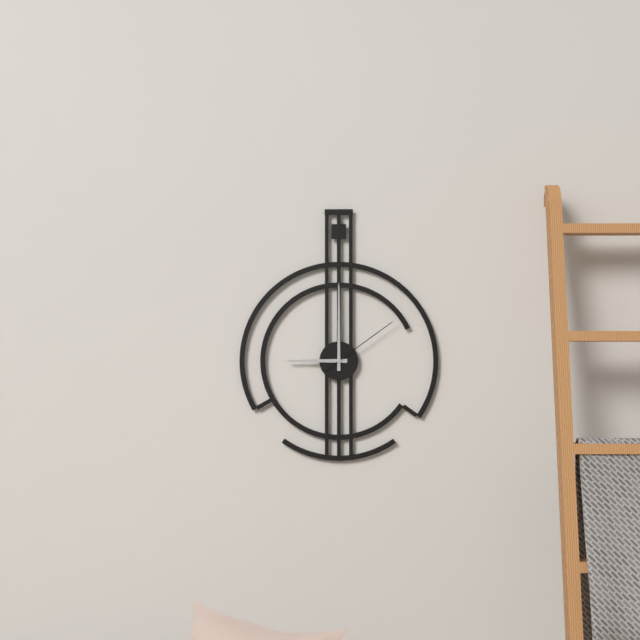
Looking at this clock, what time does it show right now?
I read 9:00:09
